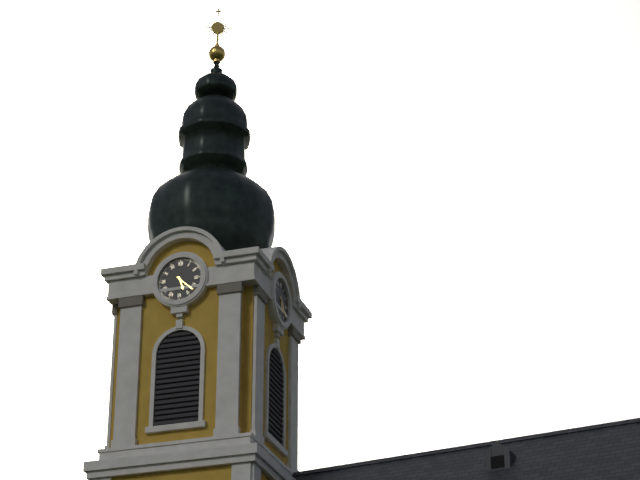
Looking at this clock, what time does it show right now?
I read 5:22
